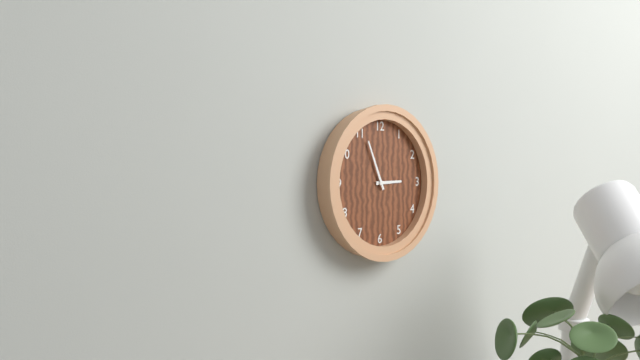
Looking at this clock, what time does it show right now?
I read 2:56
